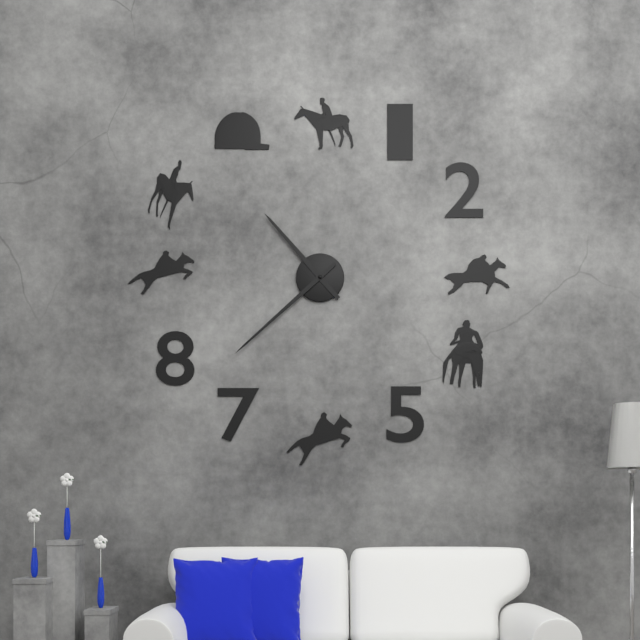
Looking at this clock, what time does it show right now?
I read 10:38
